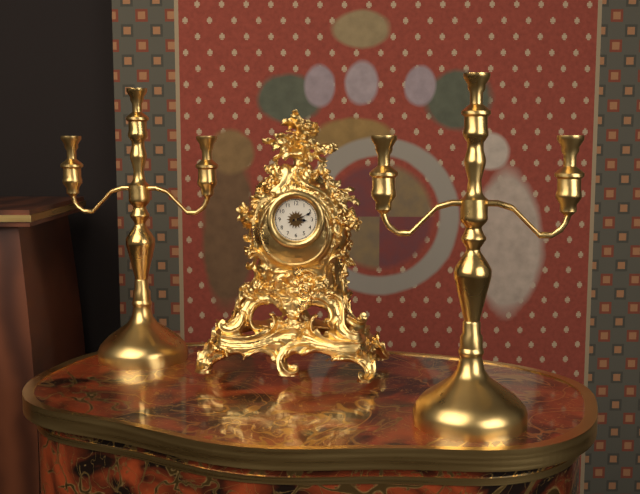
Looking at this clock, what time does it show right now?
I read 3:11
